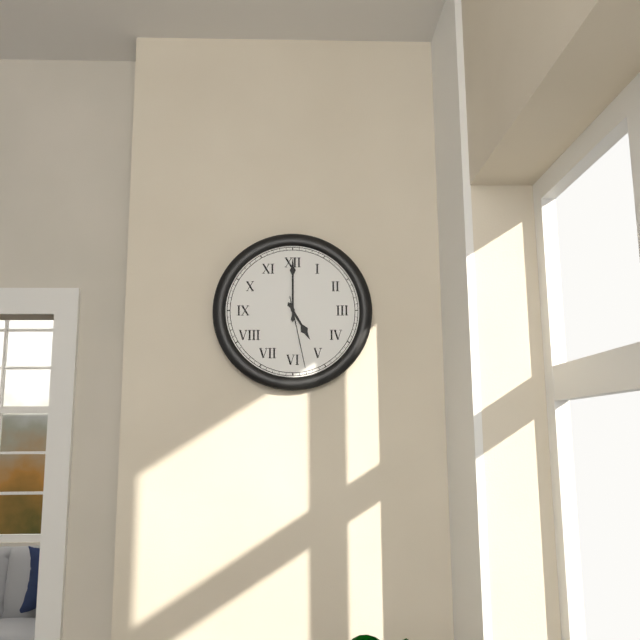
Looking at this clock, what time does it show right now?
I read 5:00:28
